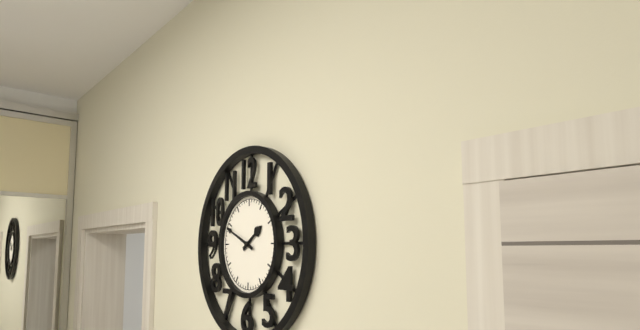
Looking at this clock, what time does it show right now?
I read 1:49
